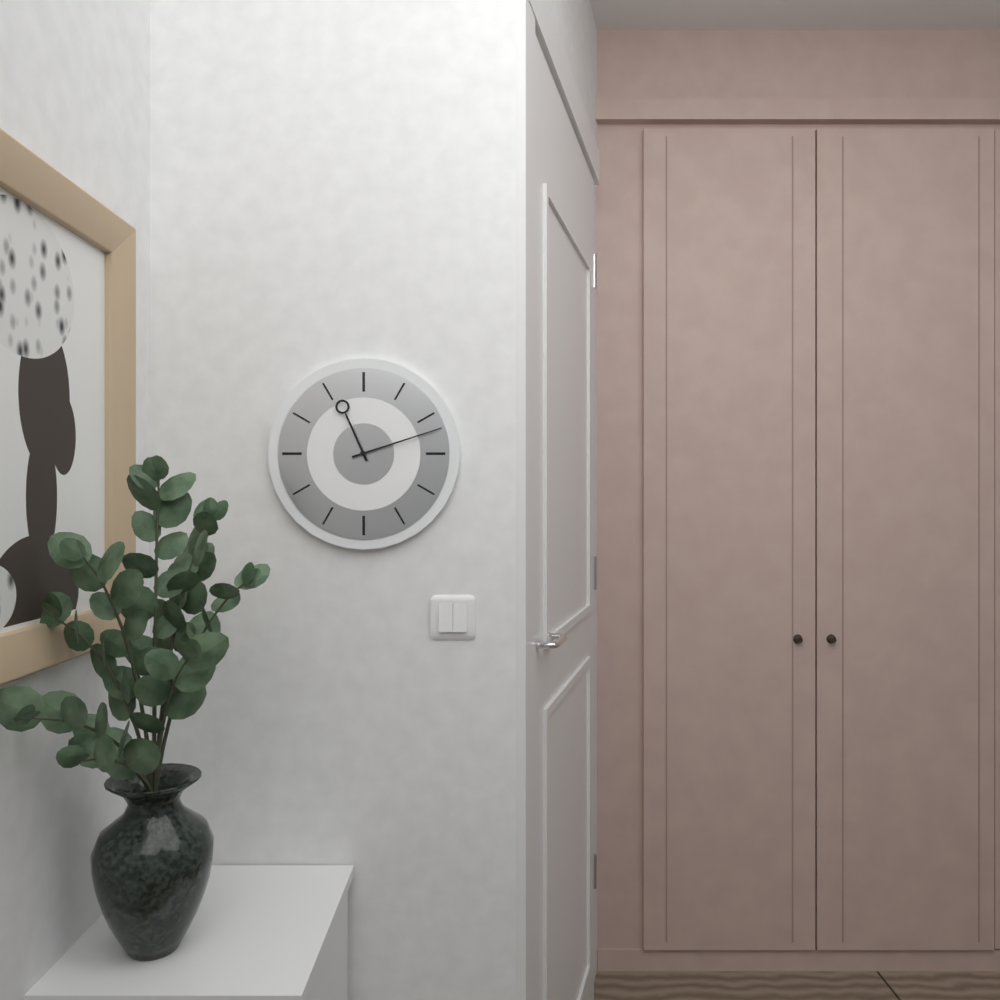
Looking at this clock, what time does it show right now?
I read 11:12
